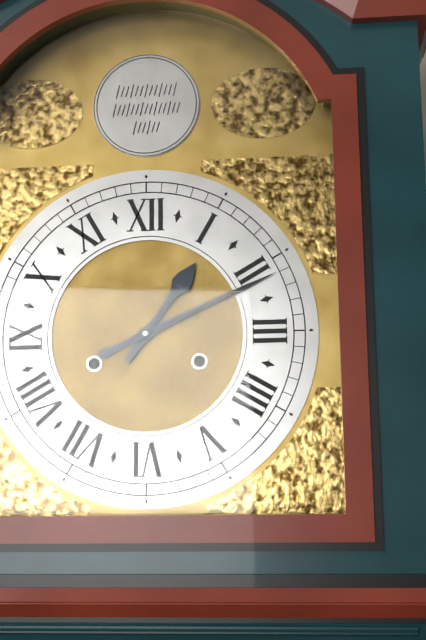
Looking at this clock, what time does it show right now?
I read 1:11
